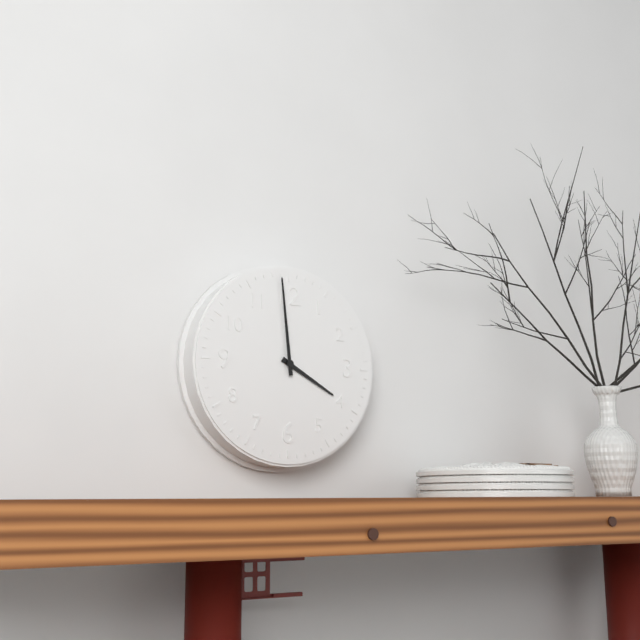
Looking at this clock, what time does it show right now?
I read 3:59
